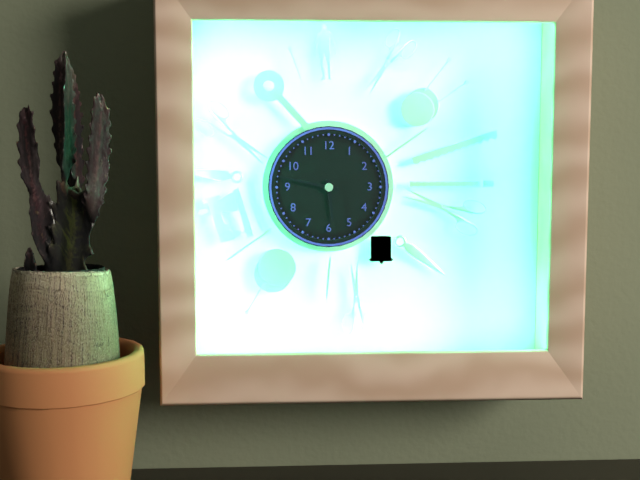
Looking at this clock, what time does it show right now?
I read 5:47
